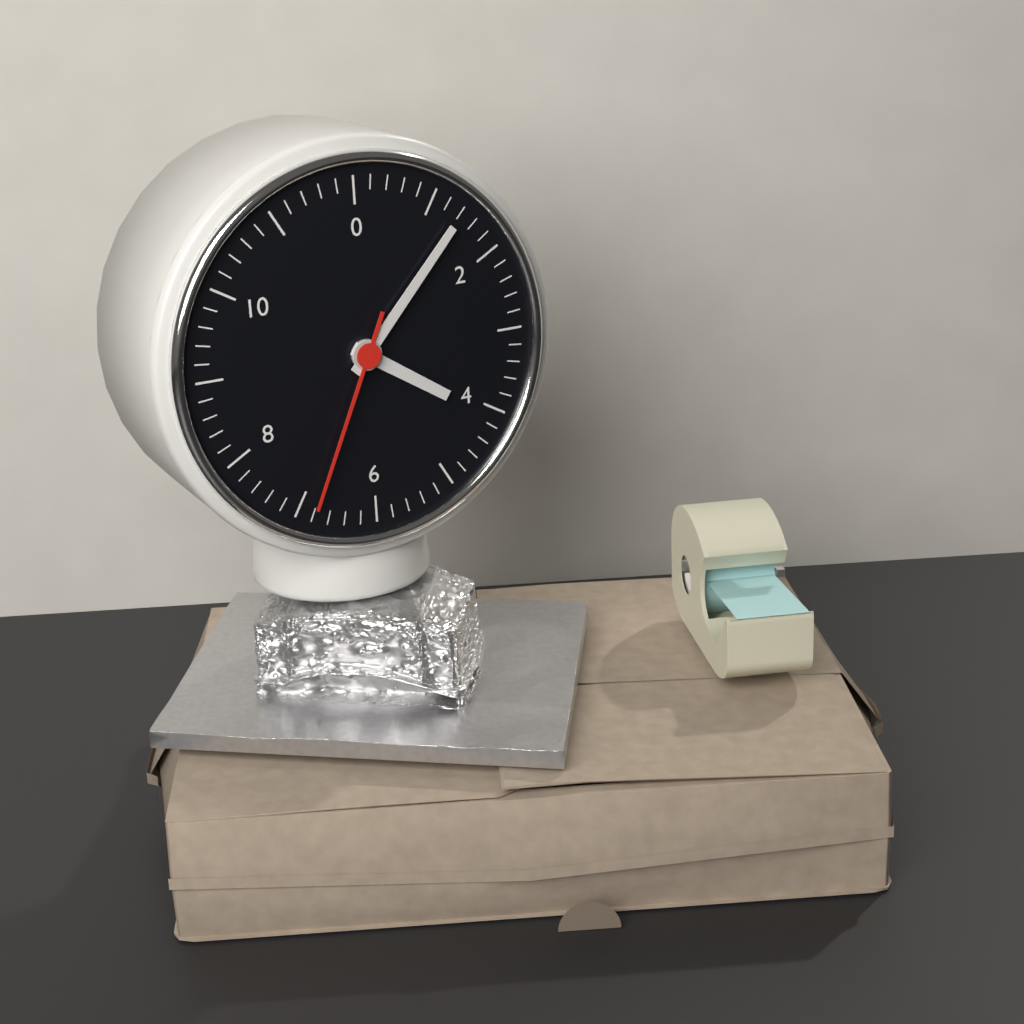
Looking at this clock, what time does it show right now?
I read 4:07:34
